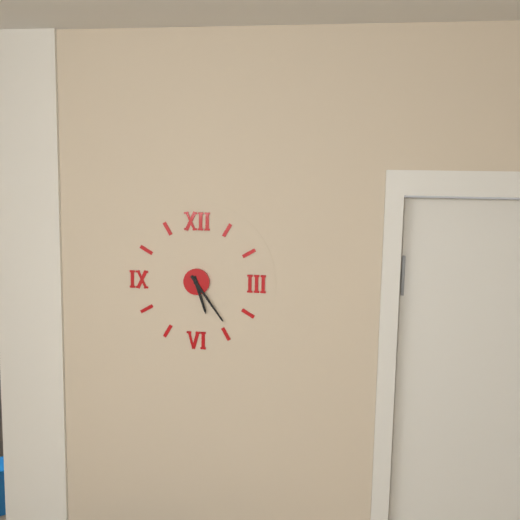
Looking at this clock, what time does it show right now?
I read 5:24
